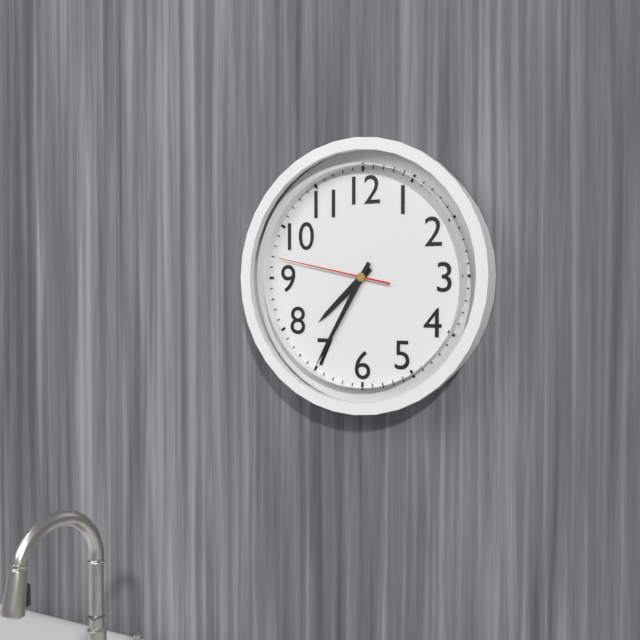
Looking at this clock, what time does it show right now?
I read 7:35:47
